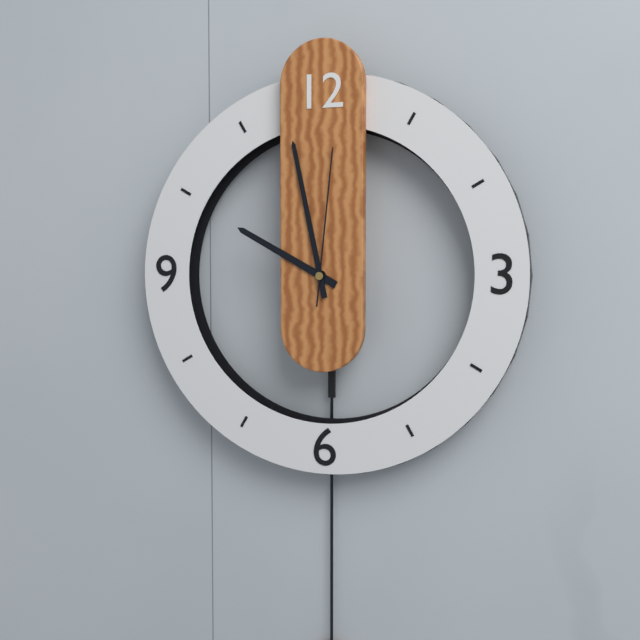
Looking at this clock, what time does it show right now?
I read 9:58:01
